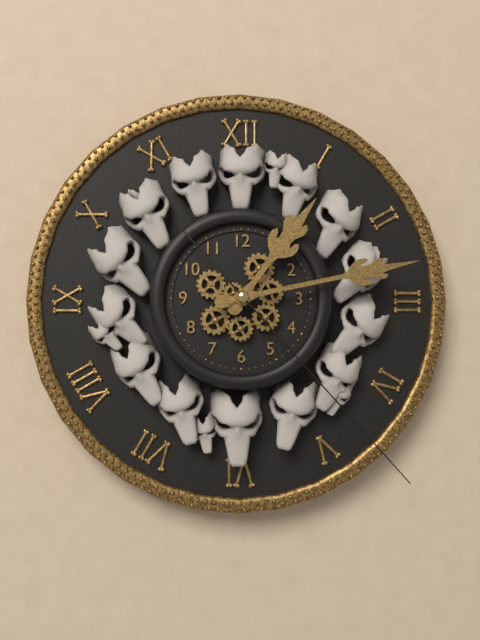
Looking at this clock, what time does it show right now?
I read 1:13:23
